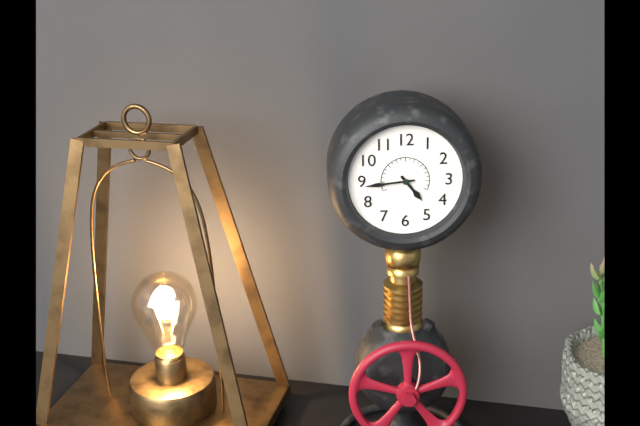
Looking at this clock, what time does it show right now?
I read 4:44
